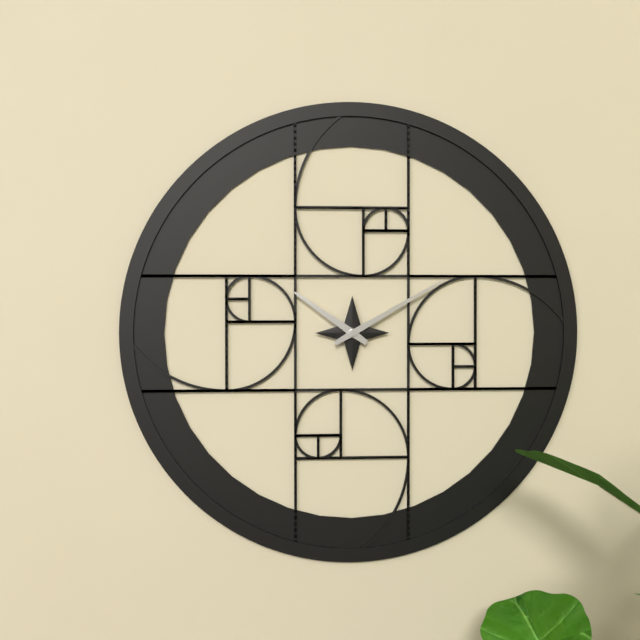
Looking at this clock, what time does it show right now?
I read 10:10
